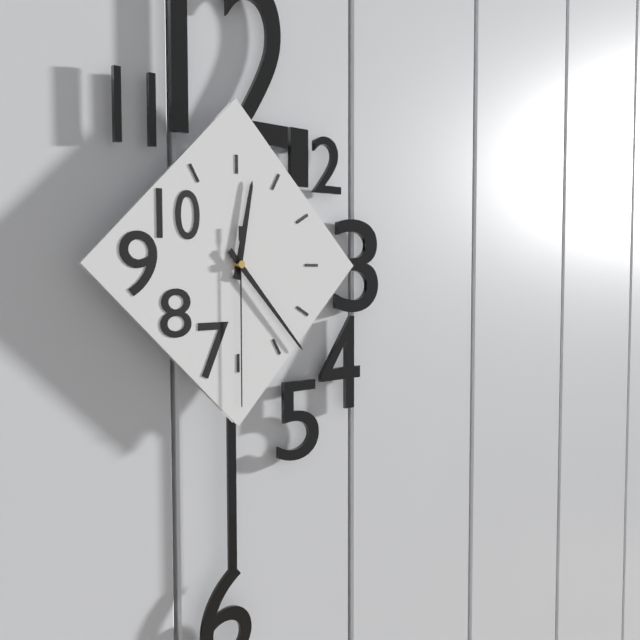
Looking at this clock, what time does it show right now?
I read 12:23:30
